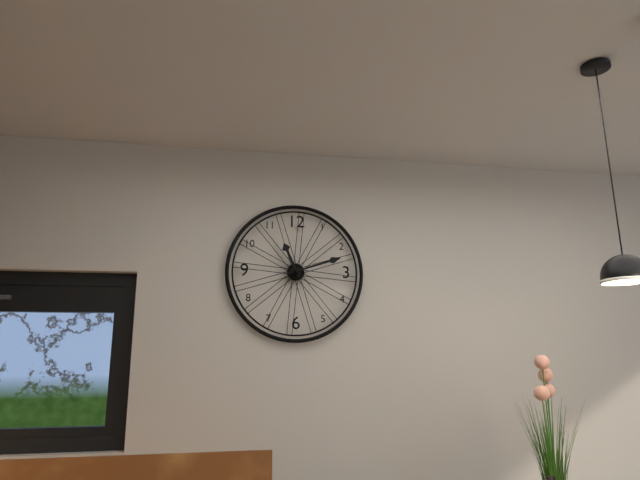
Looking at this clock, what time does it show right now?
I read 11:12
